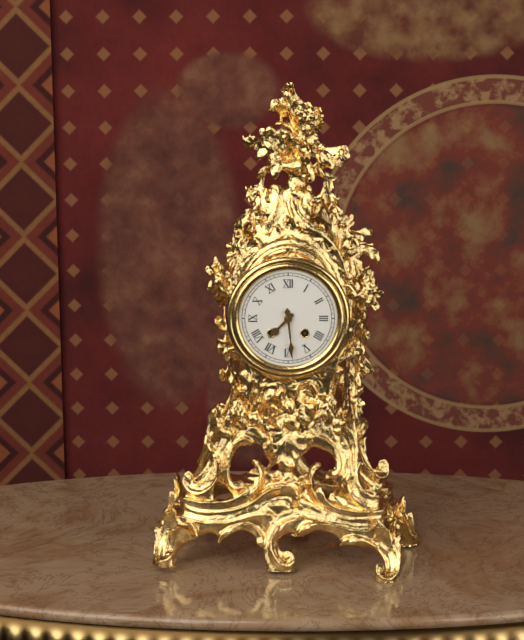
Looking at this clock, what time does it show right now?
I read 7:29
